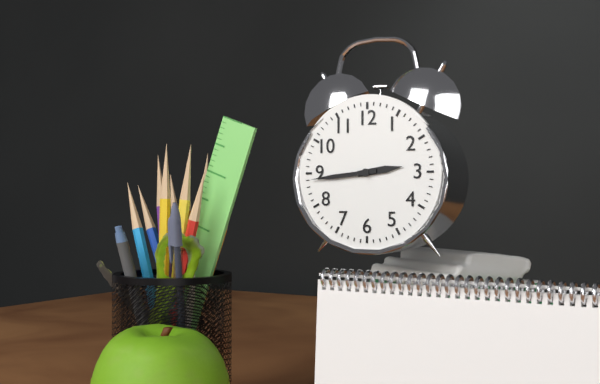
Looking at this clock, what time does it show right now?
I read 2:44
